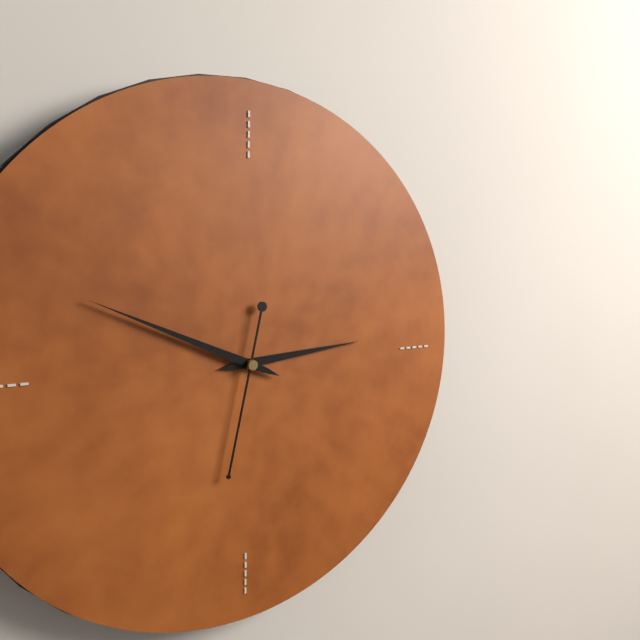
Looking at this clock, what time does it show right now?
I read 2:49:32
